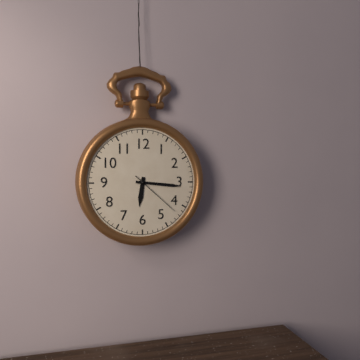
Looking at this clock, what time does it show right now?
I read 6:16:22
